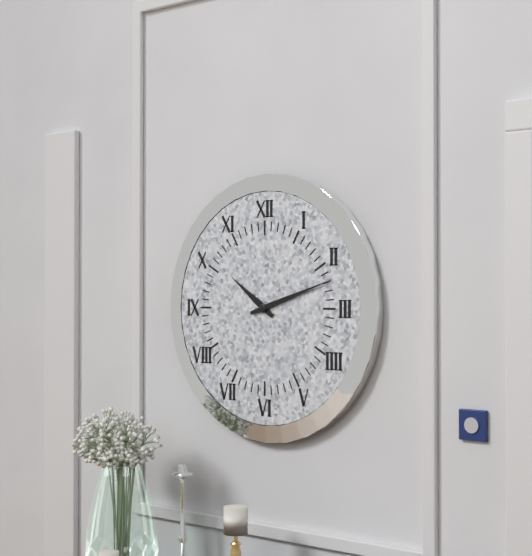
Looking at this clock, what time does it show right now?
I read 10:12
